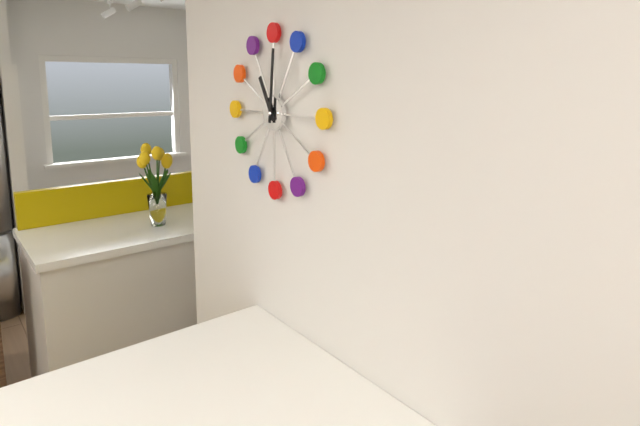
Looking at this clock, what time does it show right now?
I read 11:01
